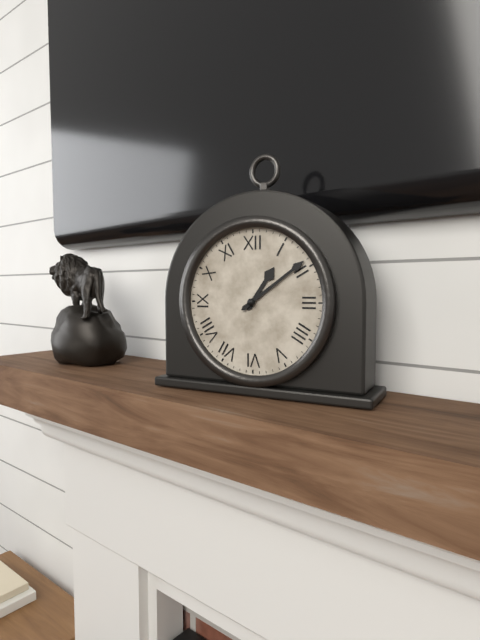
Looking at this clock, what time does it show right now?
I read 1:09
